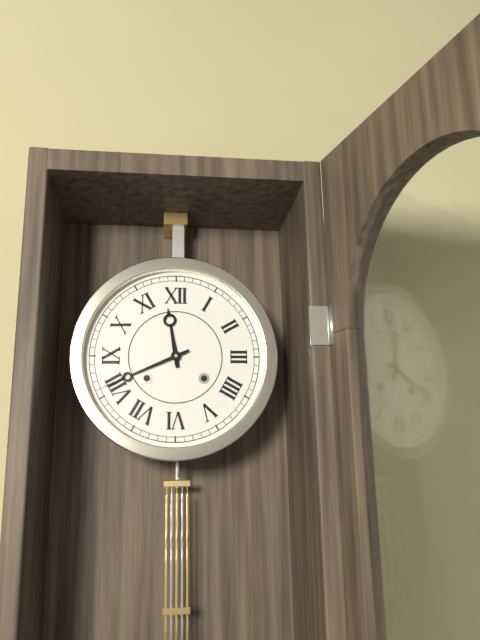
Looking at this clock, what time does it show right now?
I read 11:41
